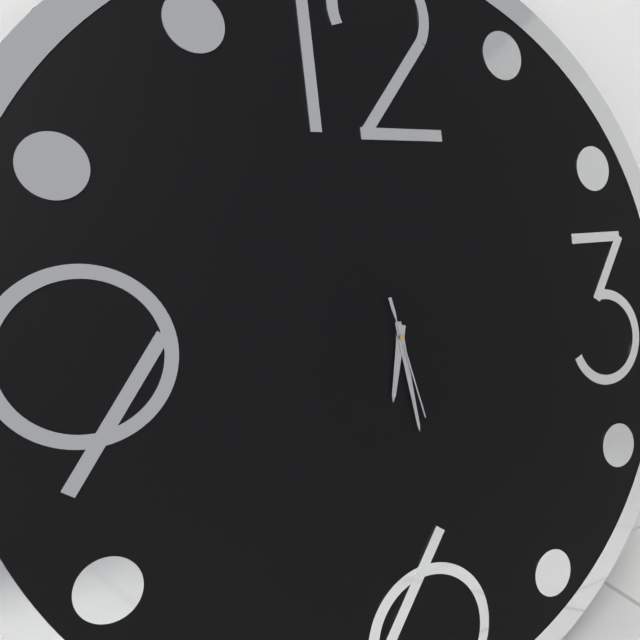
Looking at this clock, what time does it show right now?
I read 6:29:28
